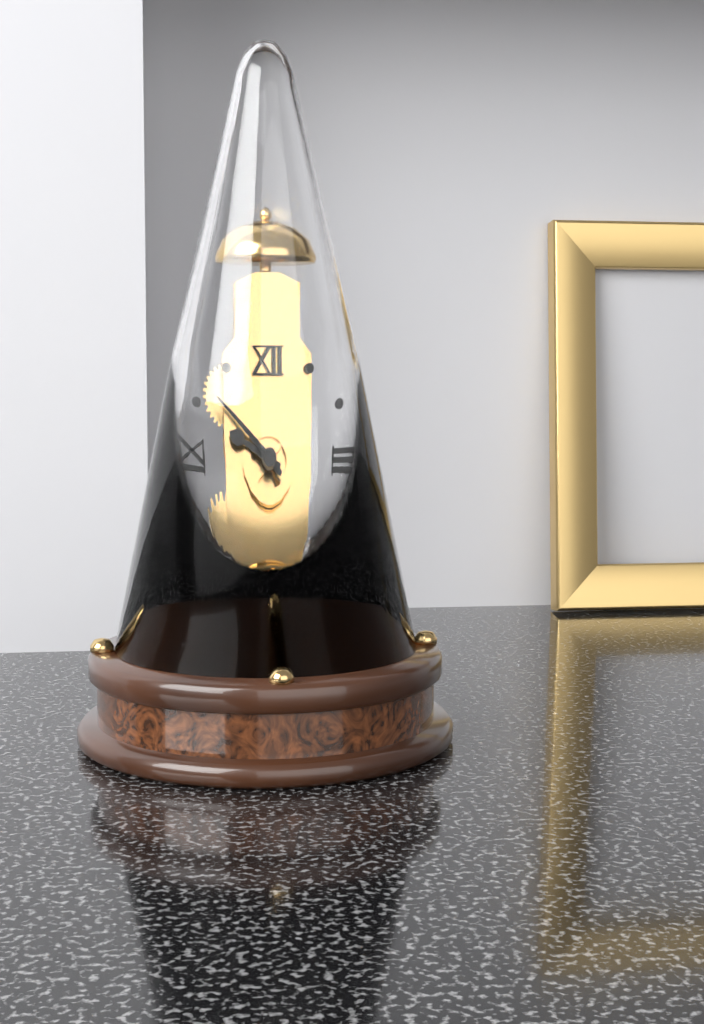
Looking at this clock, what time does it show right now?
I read 9:52
